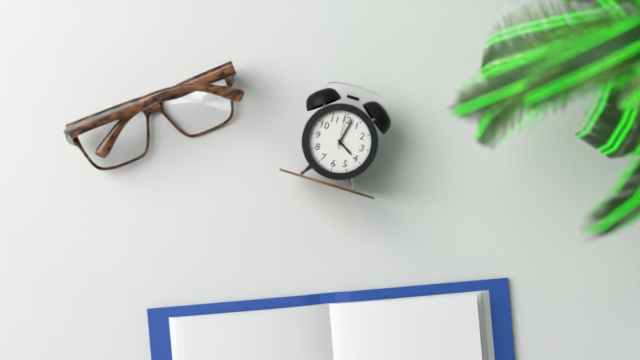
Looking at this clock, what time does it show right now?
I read 4:02
